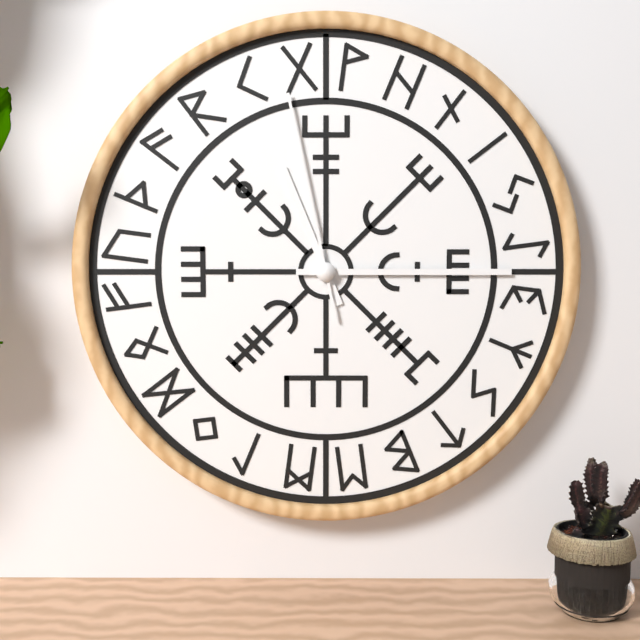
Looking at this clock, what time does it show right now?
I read 11:15:58
